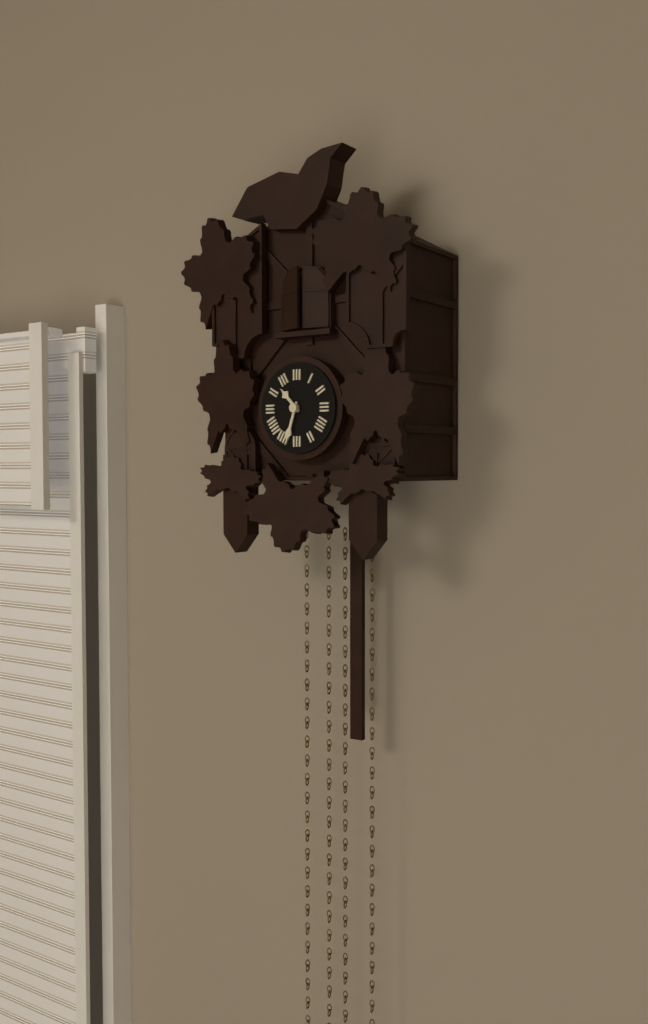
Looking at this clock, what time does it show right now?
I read 10:33
